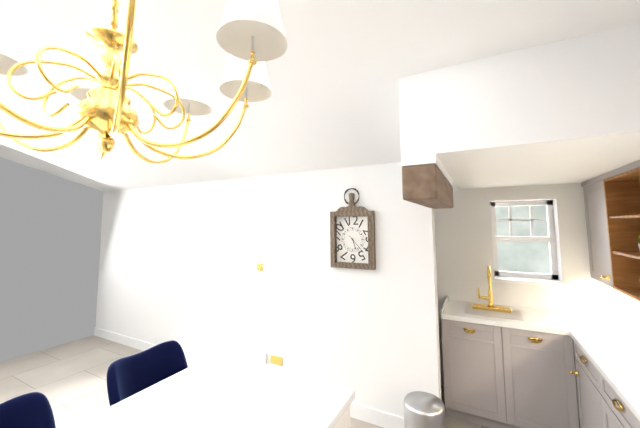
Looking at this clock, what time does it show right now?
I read 5:23
